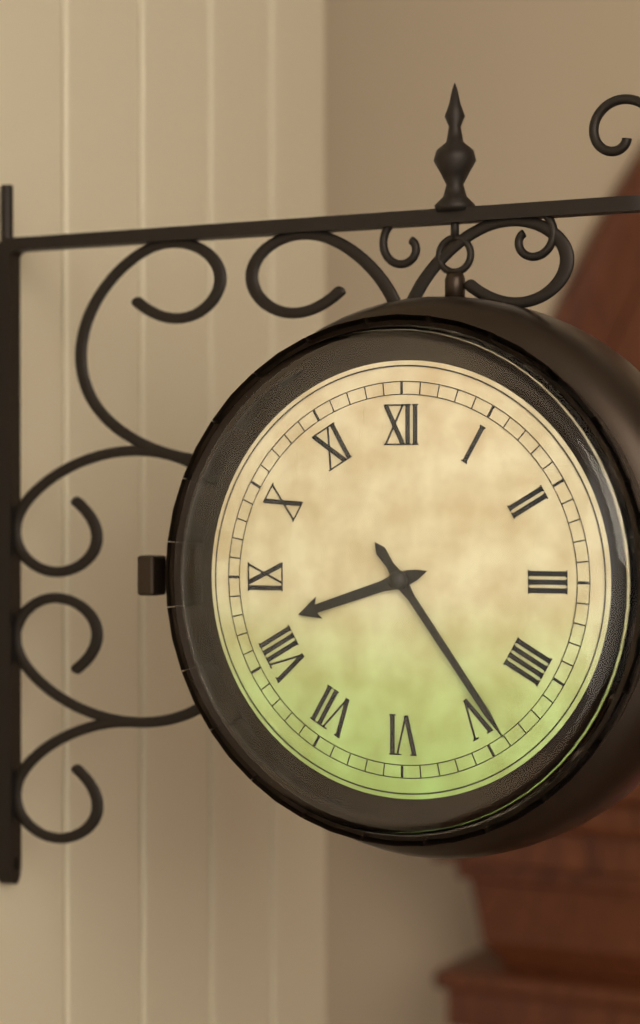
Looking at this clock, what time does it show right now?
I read 8:24
